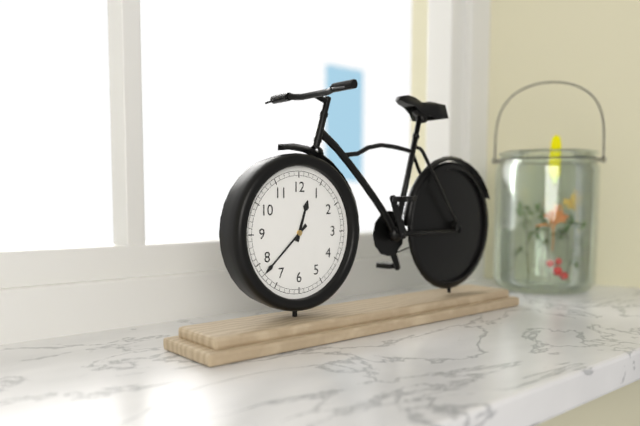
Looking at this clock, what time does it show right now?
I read 12:38
